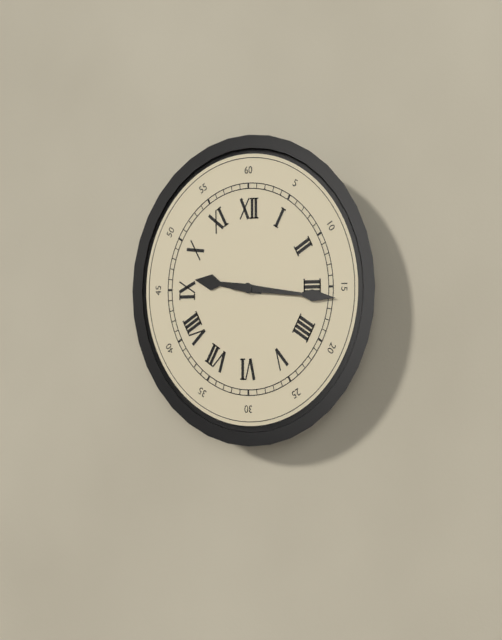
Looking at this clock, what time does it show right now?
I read 9:16
